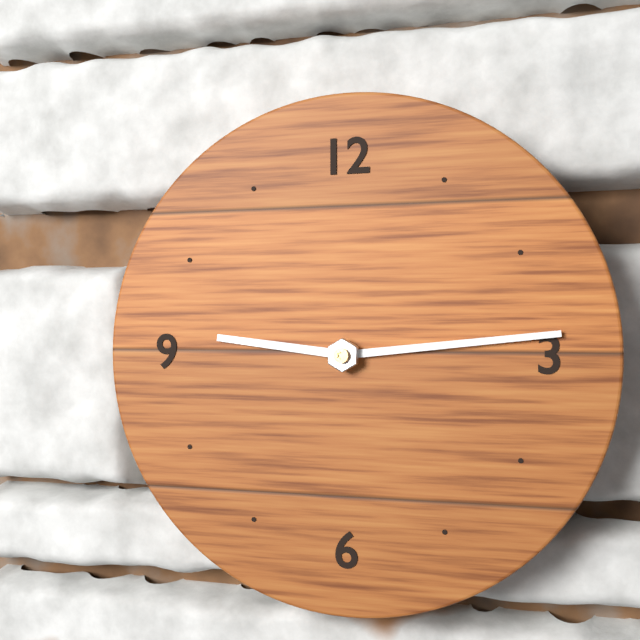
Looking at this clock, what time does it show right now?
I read 9:14
